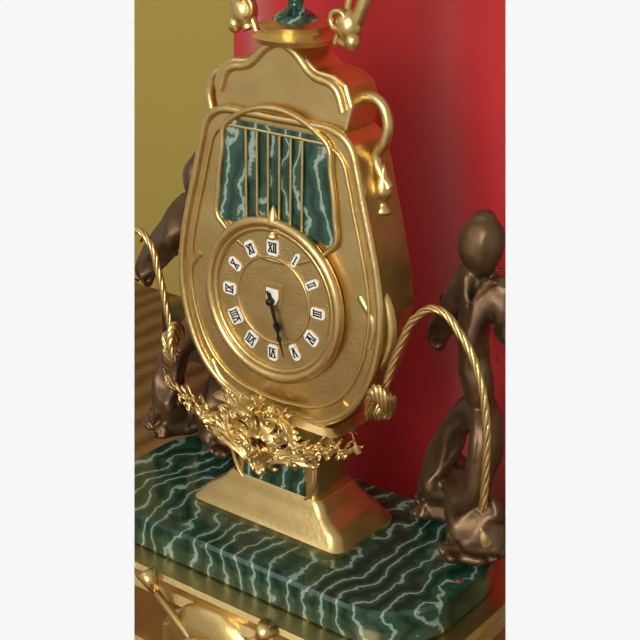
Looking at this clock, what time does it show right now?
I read 5:27
